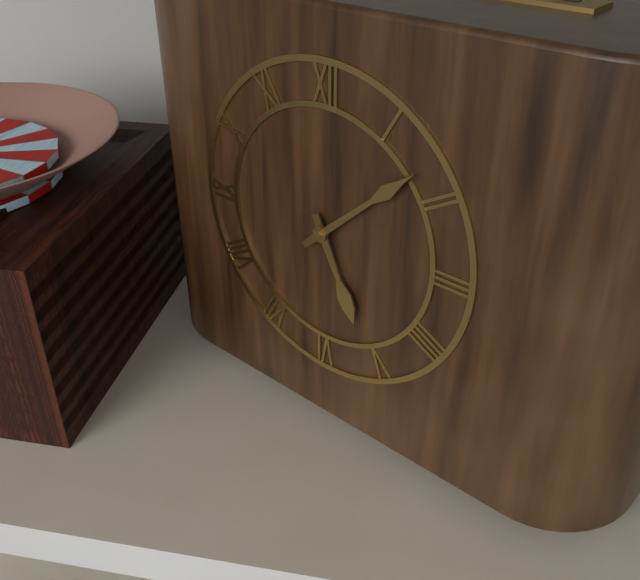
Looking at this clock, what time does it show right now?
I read 5:08
